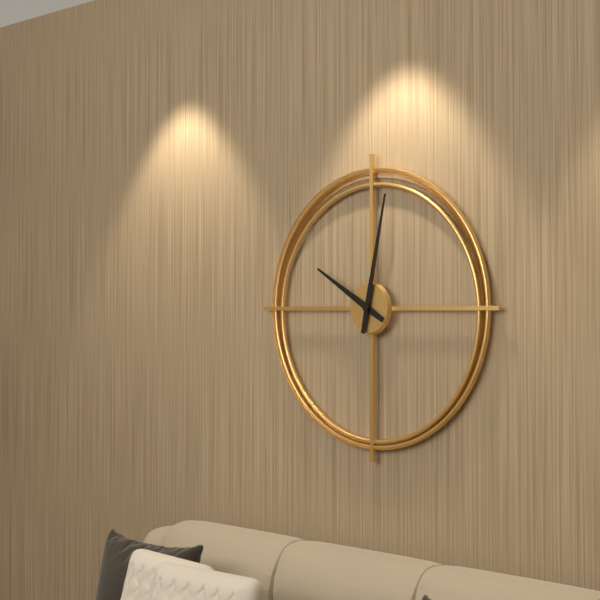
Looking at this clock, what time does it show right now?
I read 10:02
